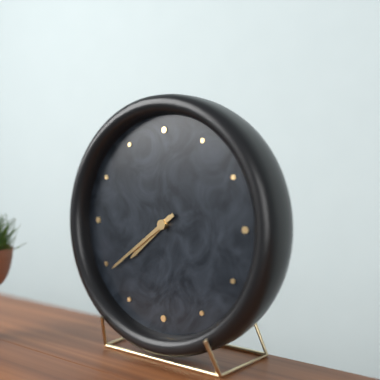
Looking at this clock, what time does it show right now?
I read 7:39
